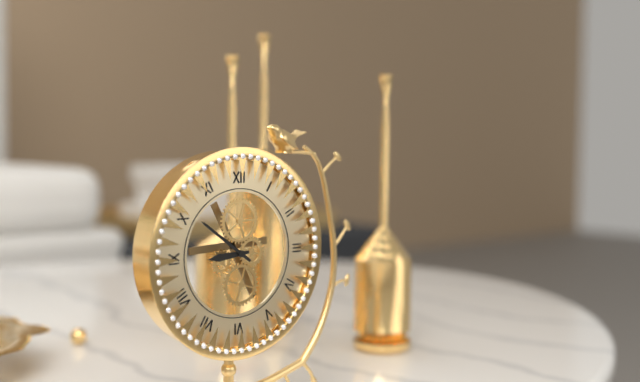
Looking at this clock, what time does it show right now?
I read 8:51
